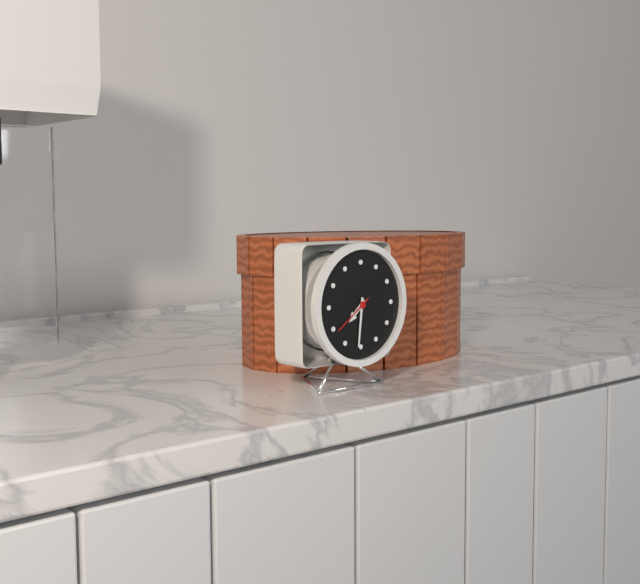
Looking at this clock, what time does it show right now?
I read 7:31
